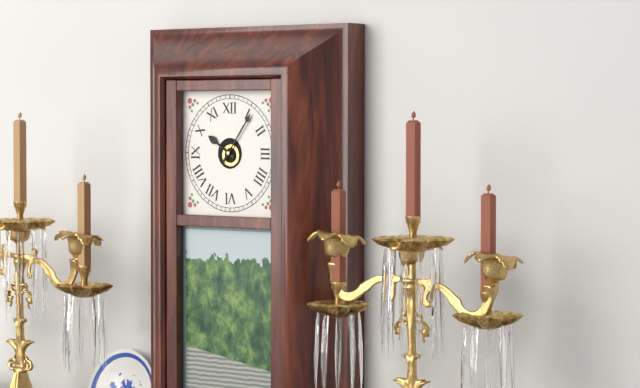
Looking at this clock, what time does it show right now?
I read 10:06
